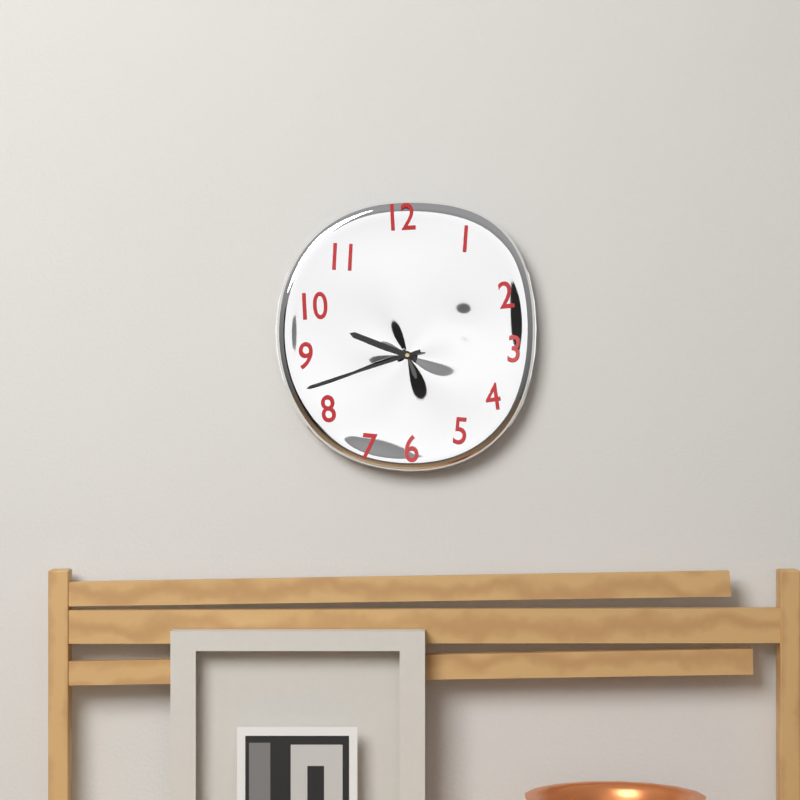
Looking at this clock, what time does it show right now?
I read 9:42
